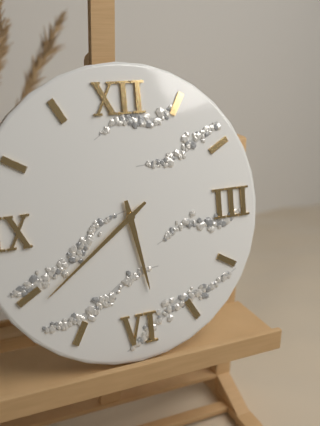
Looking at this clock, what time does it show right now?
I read 5:39
